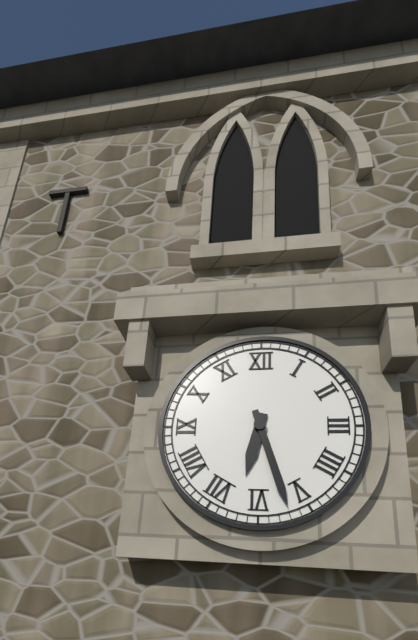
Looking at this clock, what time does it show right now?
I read 6:27
